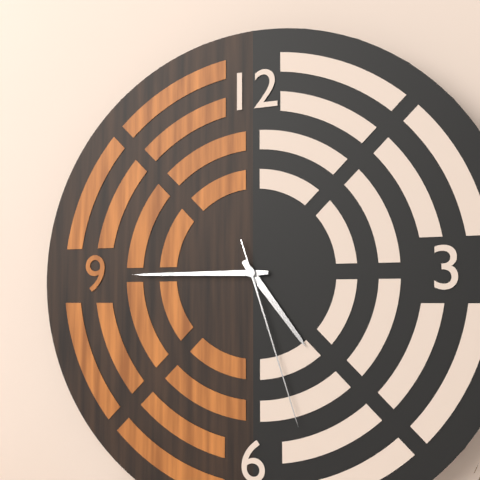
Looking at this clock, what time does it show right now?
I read 4:45:27
